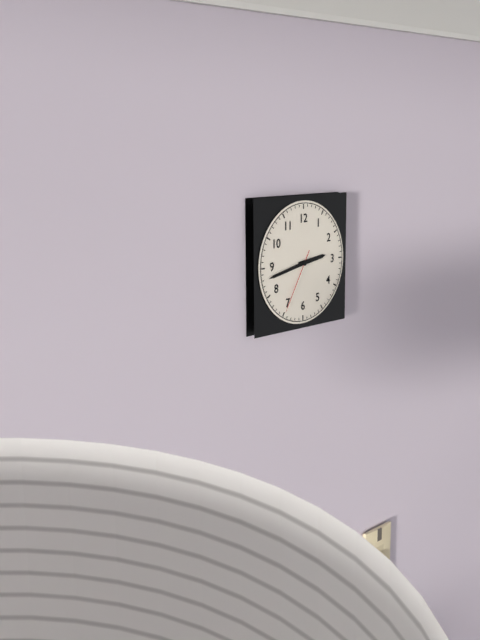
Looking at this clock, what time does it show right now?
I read 2:43:35
